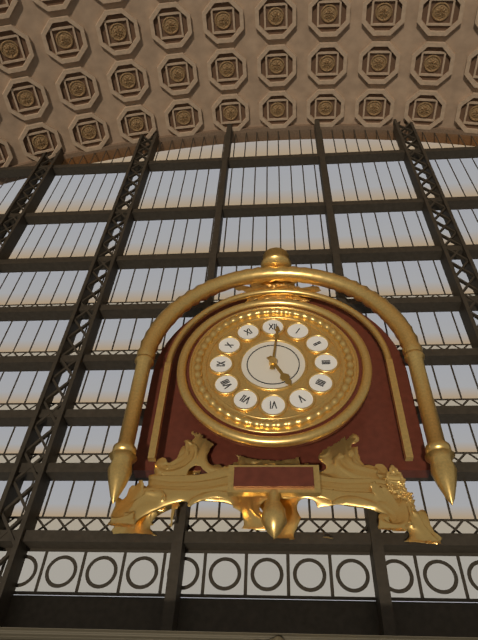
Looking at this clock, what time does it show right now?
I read 5:01
